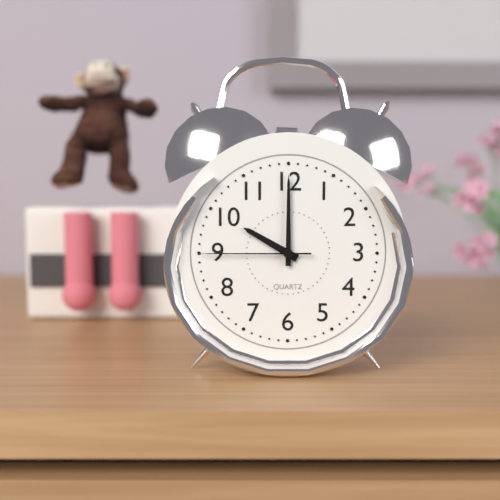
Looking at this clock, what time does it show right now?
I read 10:00:45
